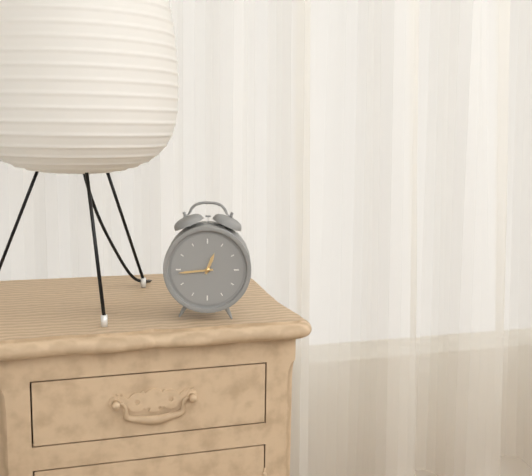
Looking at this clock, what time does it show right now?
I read 12:44
